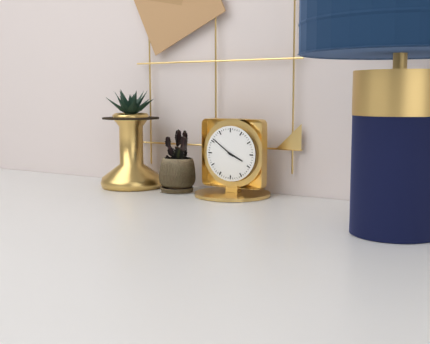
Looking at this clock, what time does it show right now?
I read 3:51
